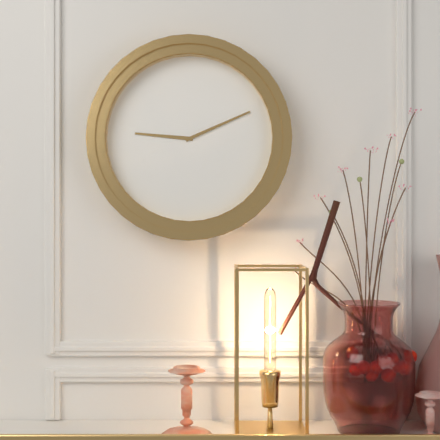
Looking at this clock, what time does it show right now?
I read 9:11
